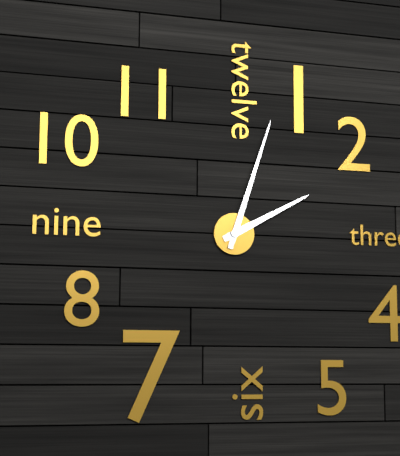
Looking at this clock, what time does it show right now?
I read 2:03
